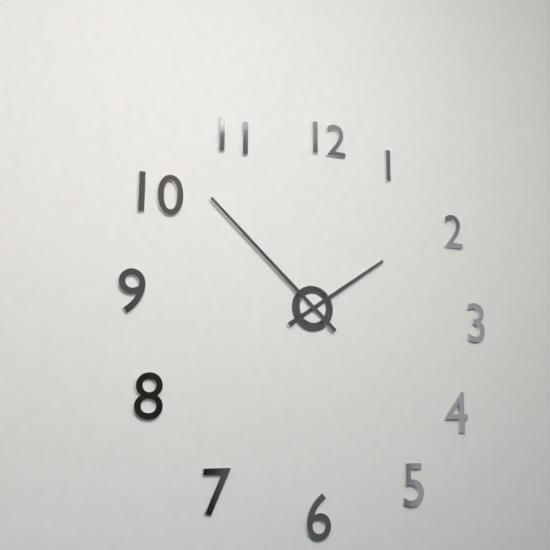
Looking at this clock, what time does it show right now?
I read 1:52
